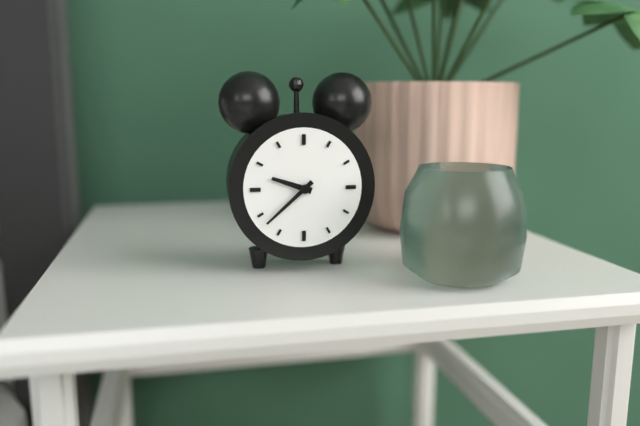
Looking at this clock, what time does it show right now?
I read 9:38
